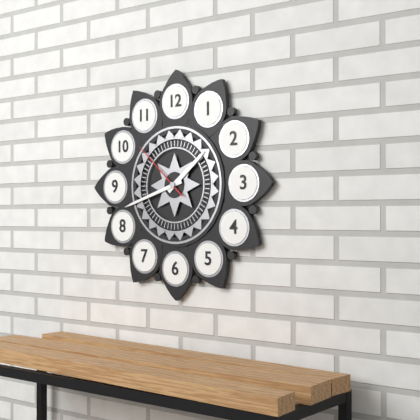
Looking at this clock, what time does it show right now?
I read 1:42:52
